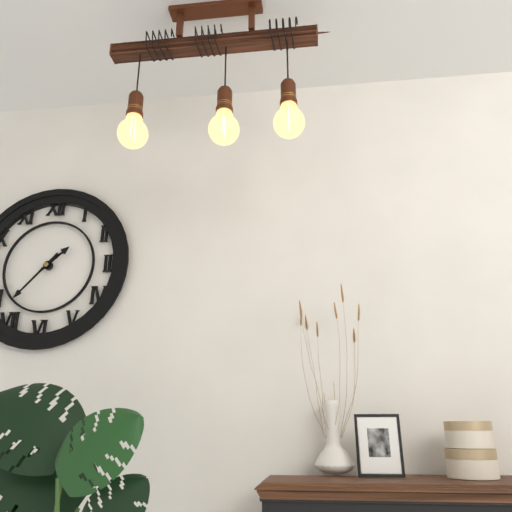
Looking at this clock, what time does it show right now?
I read 1:37
